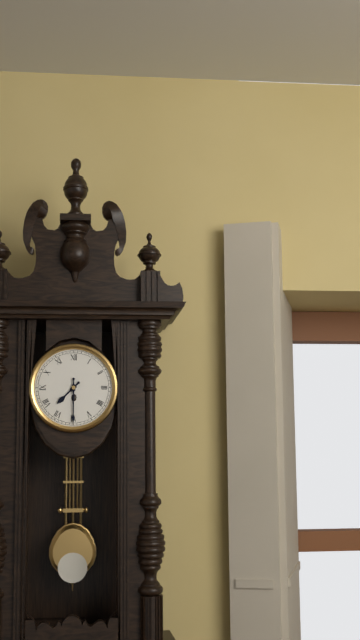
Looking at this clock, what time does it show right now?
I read 7:30
